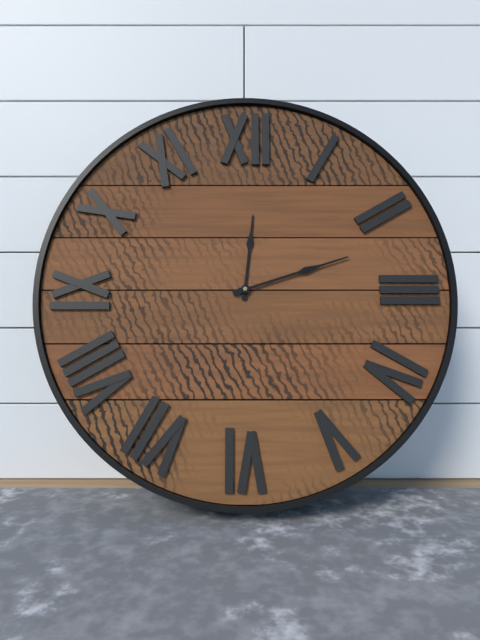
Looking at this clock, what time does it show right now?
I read 12:12
